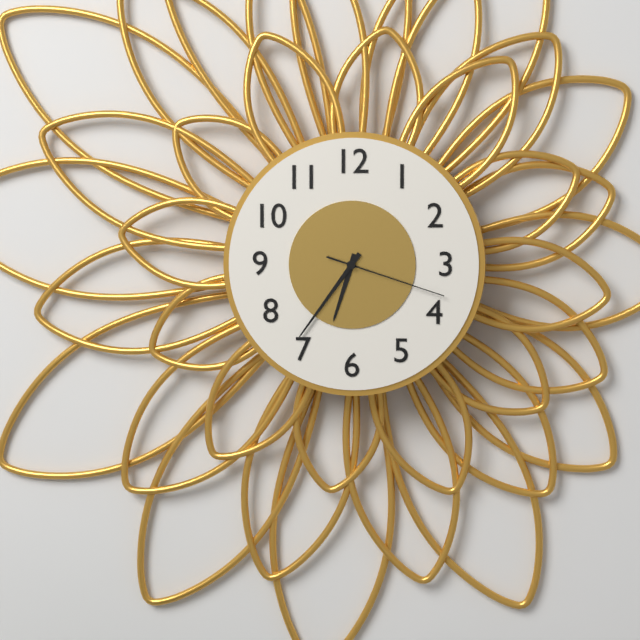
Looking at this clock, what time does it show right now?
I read 6:36:18
